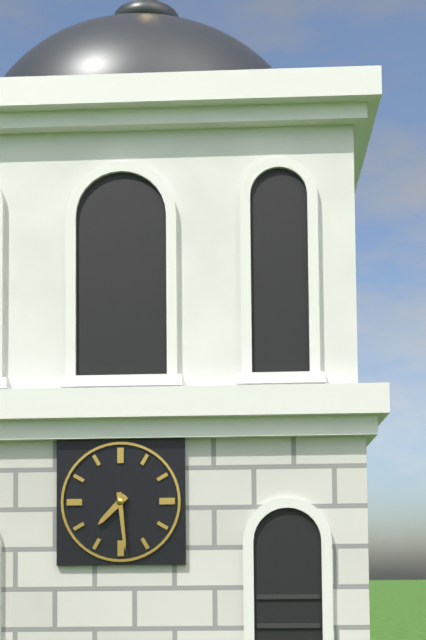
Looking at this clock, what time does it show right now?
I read 7:29
